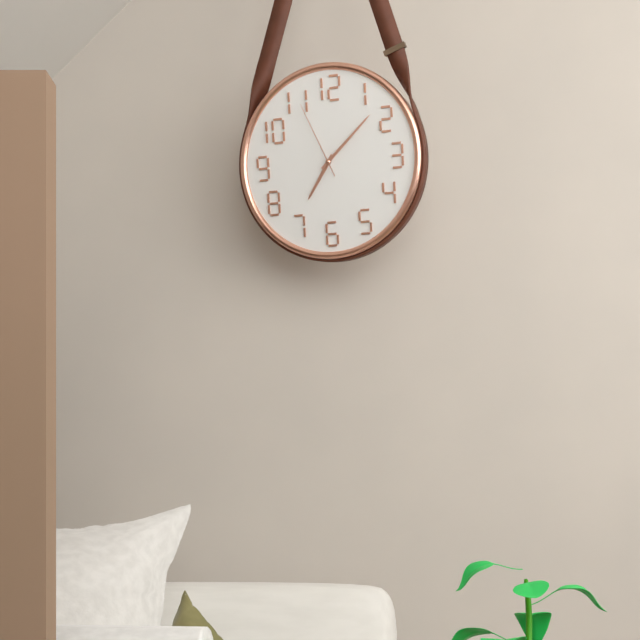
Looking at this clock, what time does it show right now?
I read 7:08:56
